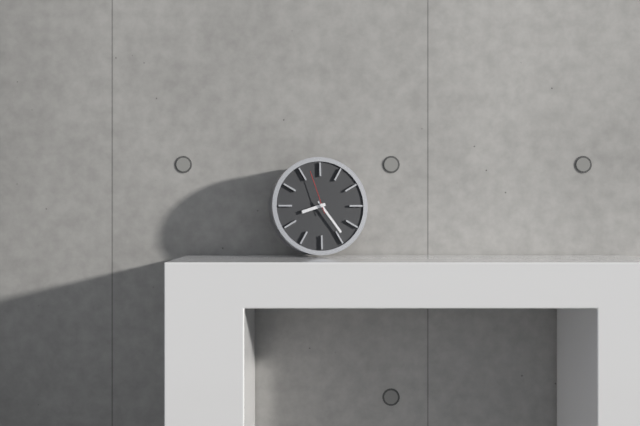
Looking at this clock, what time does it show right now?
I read 8:24
